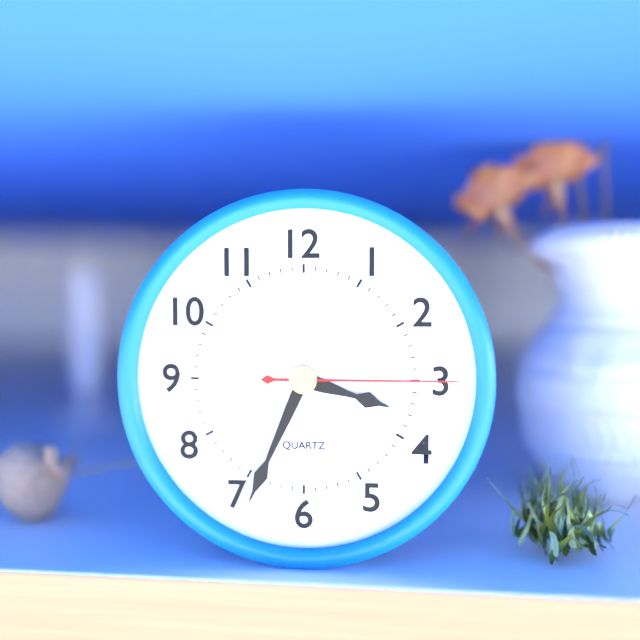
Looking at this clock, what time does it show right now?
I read 3:34:15
